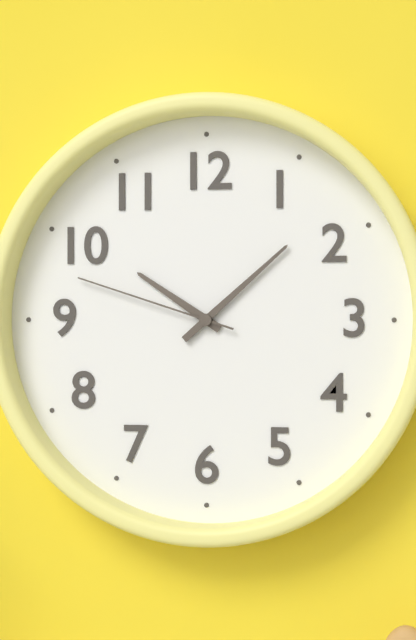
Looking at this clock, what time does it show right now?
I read 10:08:48
